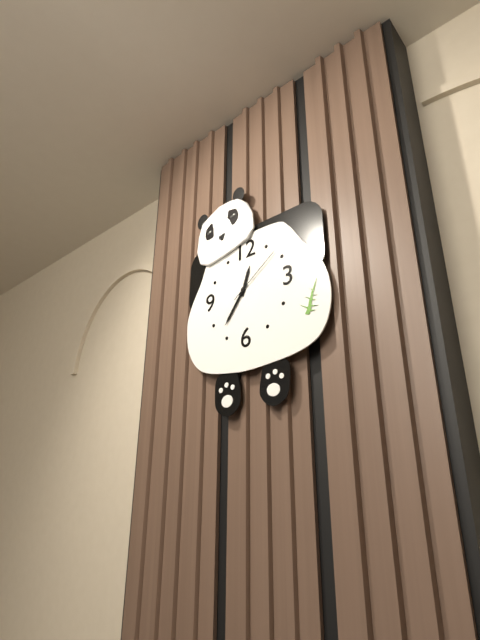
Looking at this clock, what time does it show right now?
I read 12:36:09
